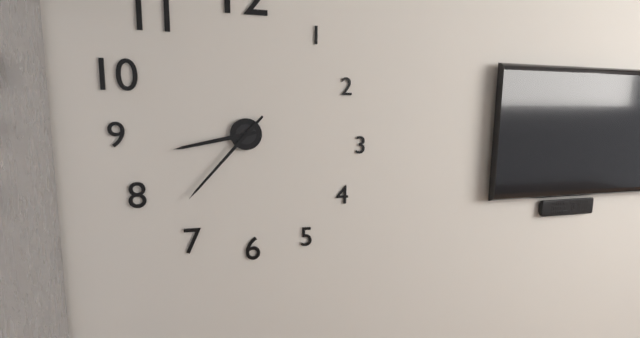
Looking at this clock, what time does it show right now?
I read 8:37
